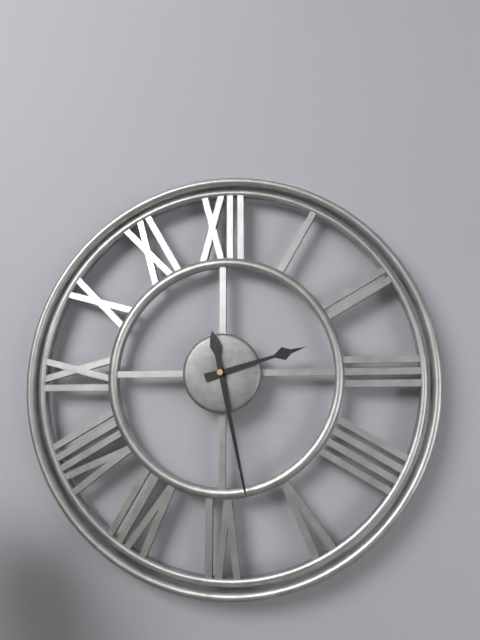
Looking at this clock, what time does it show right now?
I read 2:28
